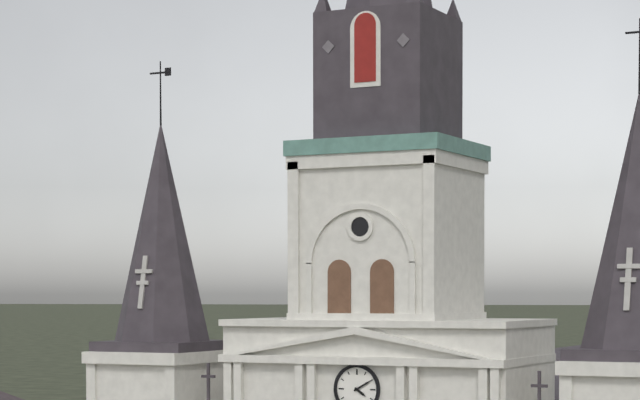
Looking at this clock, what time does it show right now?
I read 4:10
